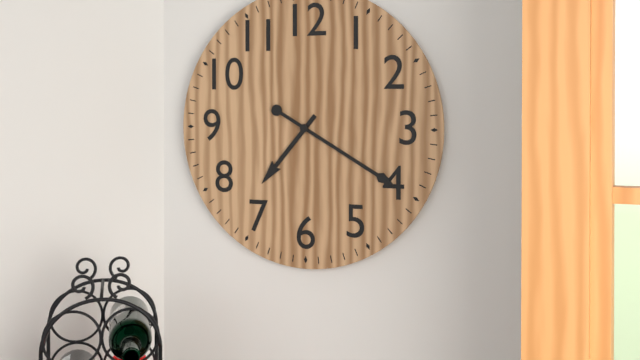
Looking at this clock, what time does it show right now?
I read 7:20
